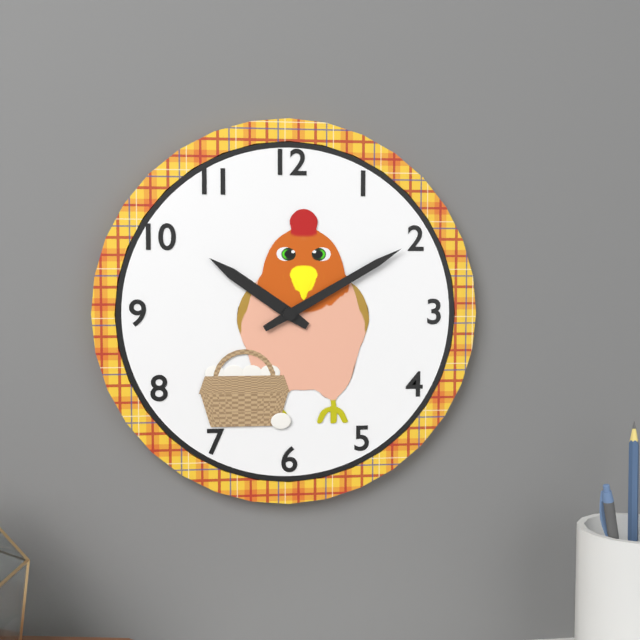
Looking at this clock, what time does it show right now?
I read 10:10
